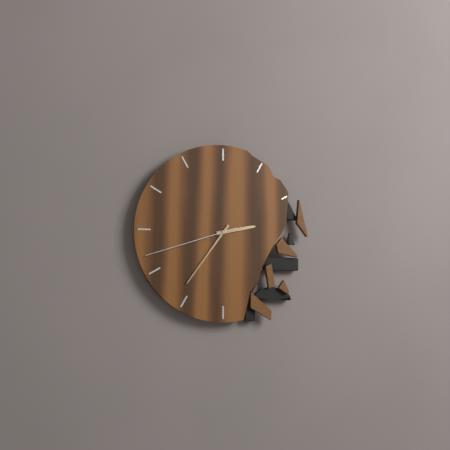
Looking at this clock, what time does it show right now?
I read 2:36:42
